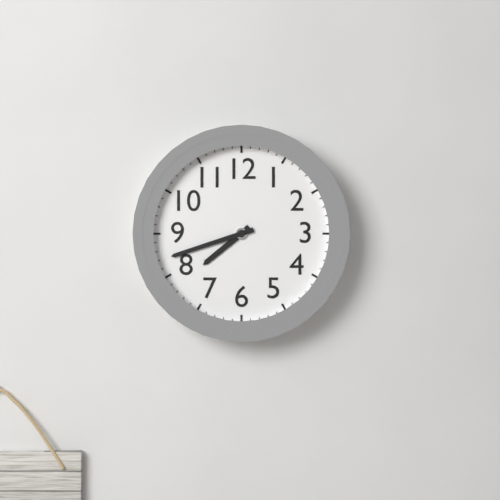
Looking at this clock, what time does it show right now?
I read 7:42
